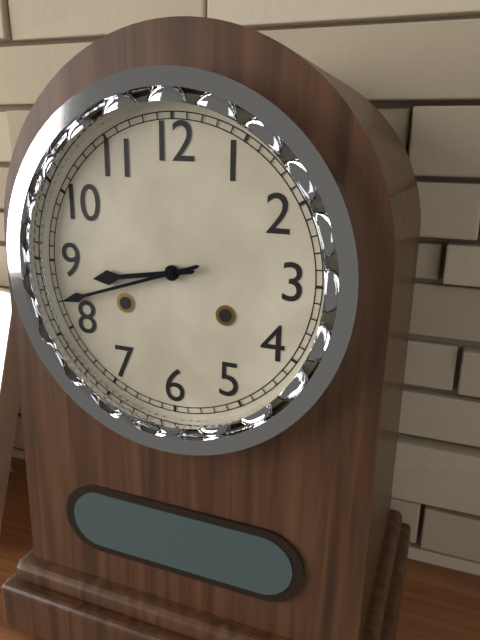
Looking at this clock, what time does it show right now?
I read 8:42
